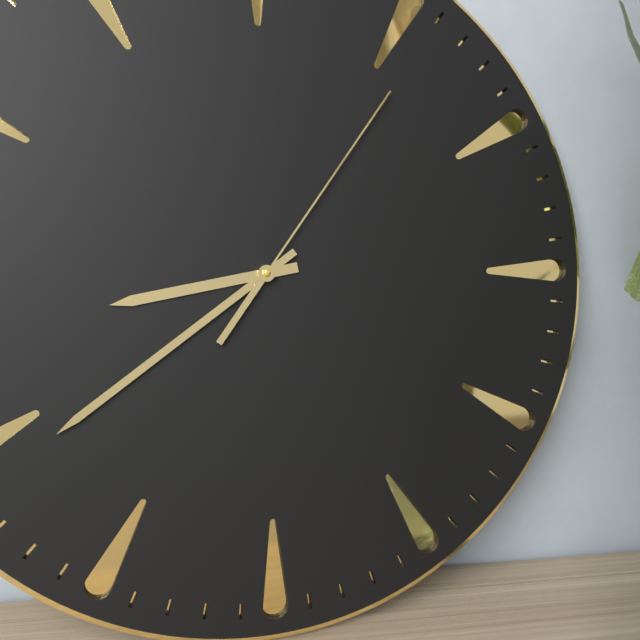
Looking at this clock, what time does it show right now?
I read 8:39:06
